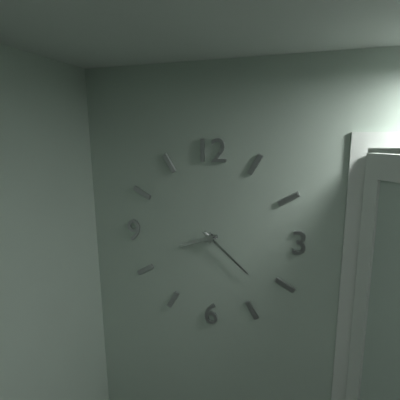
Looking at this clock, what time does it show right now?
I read 8:22
